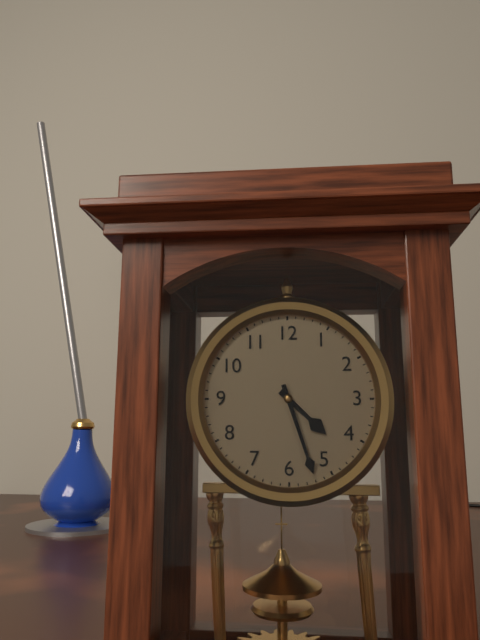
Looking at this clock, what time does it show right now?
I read 4:27
